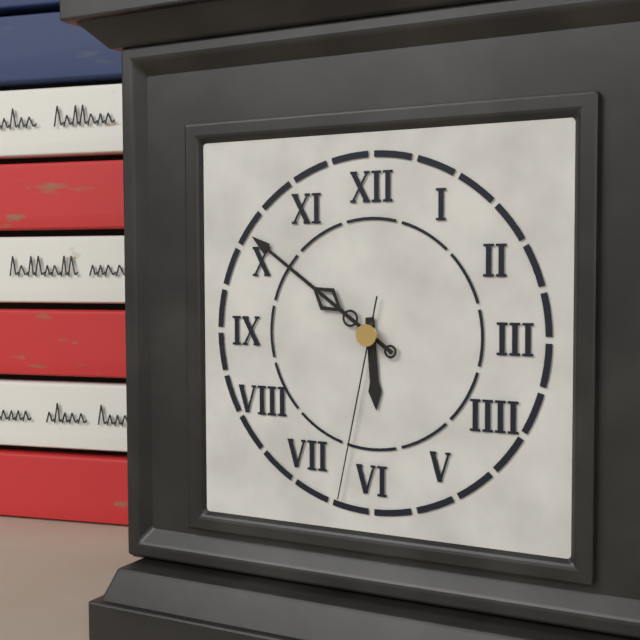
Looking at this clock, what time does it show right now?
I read 5:51:32
